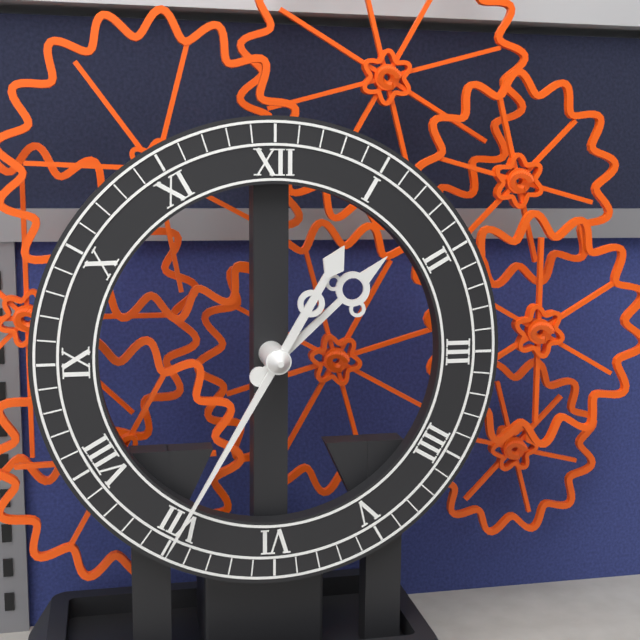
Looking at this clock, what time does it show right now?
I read 1:35
